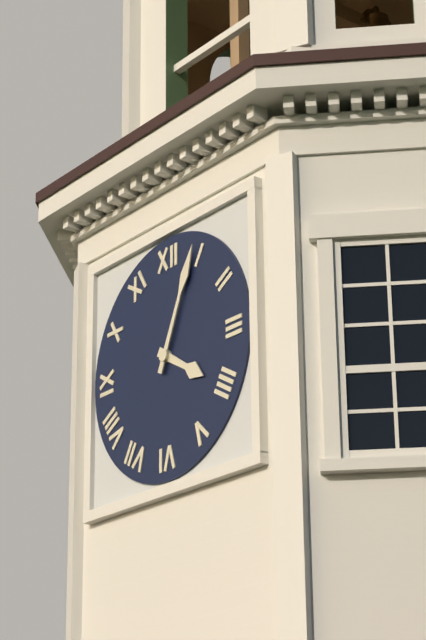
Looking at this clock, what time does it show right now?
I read 4:04
